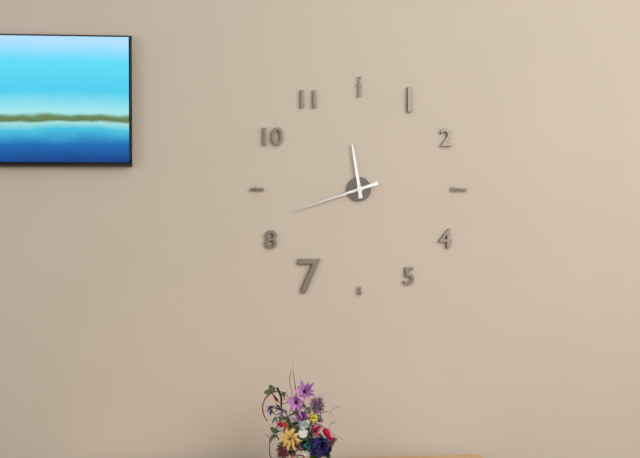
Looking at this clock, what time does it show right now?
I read 11:42
